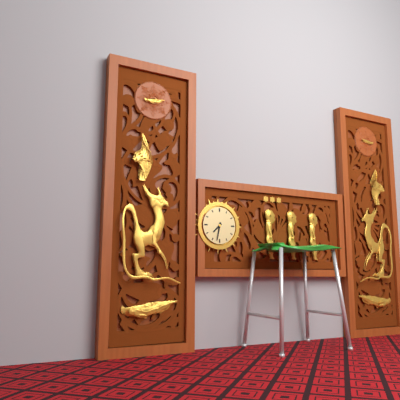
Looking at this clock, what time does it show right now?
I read 7:32
